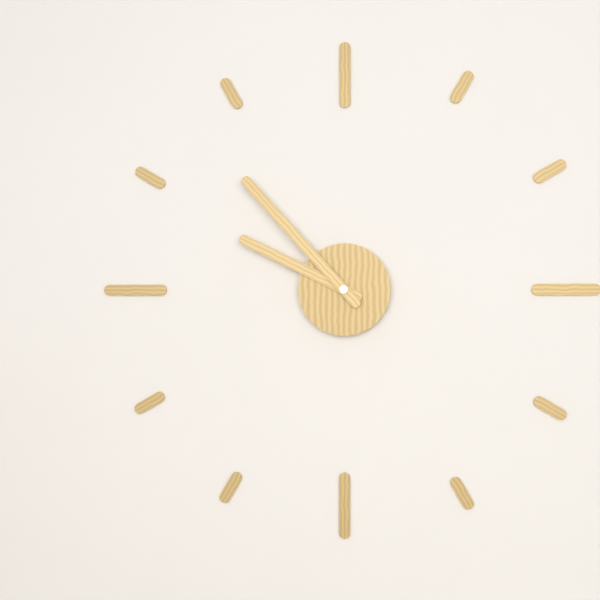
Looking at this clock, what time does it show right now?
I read 9:53
